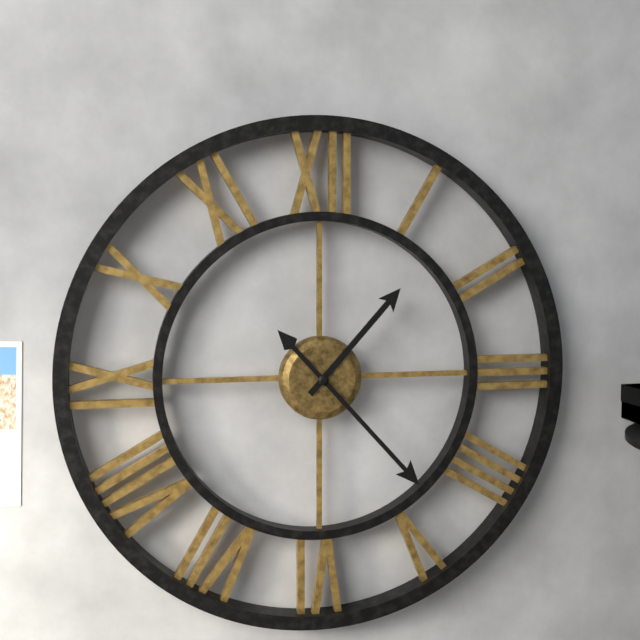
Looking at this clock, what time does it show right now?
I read 1:23
